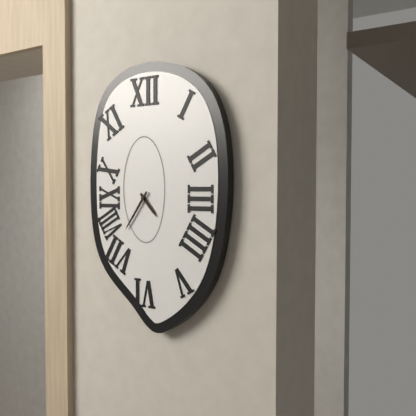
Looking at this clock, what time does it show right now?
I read 4:36
